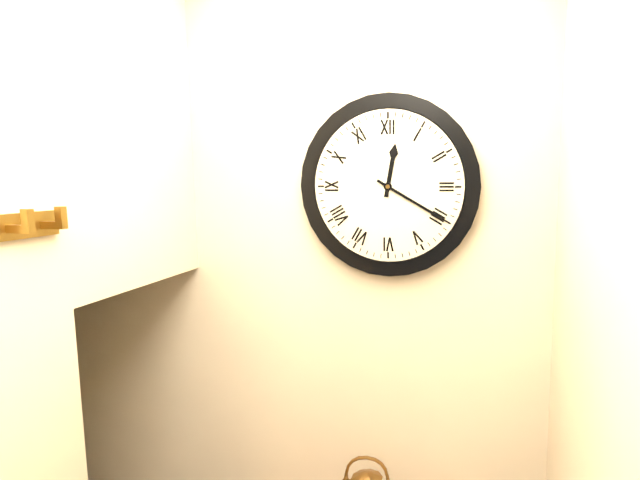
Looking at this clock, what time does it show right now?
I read 12:20
